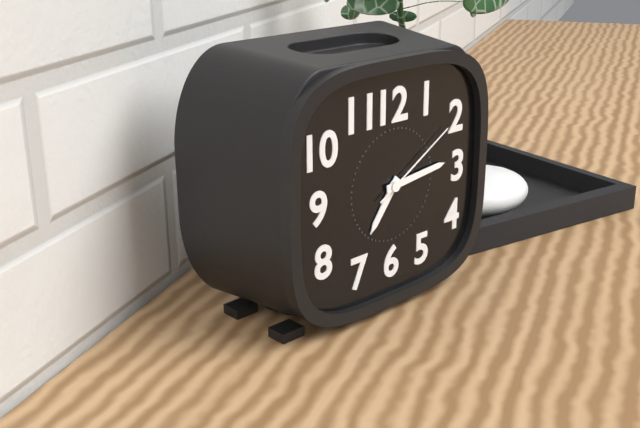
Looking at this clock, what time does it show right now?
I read 7:14:10
